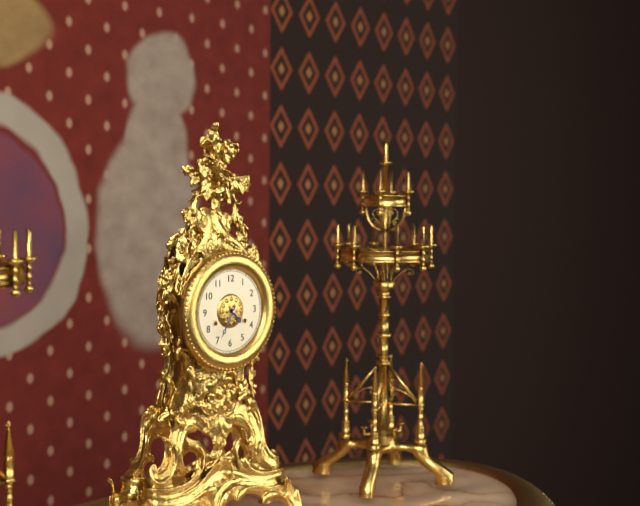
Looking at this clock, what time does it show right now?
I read 4:35
